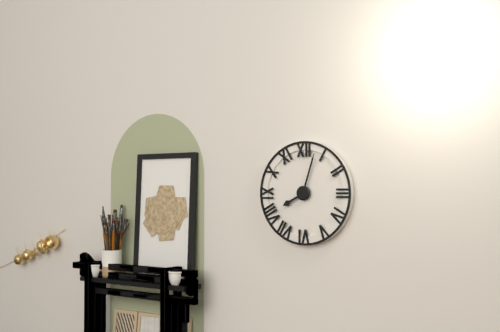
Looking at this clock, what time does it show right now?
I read 8:03
